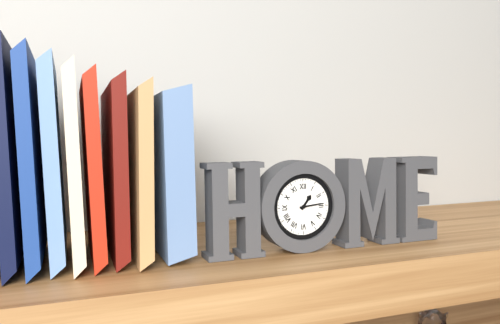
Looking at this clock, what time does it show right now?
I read 1:14
